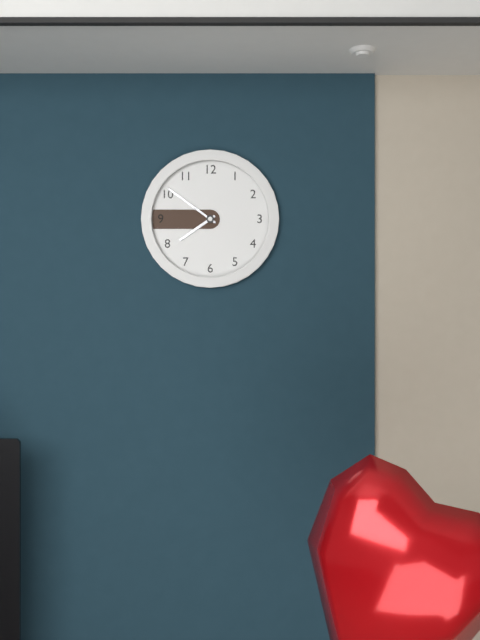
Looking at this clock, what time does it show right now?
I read 7:51
